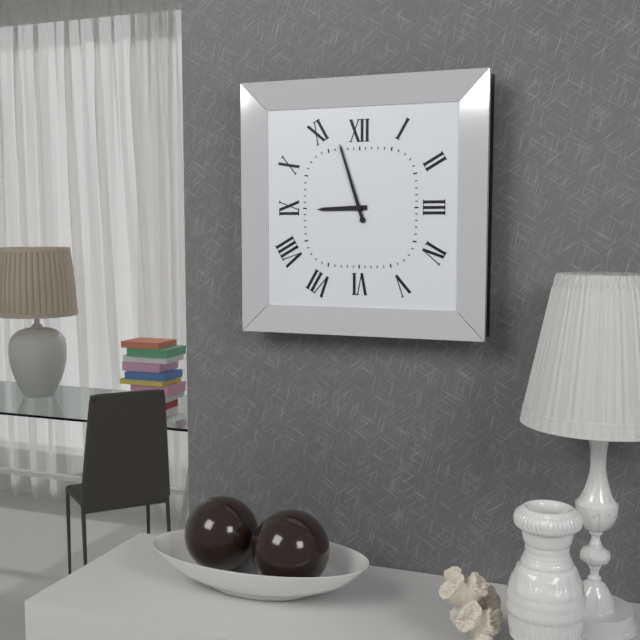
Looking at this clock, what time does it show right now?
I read 8:57
